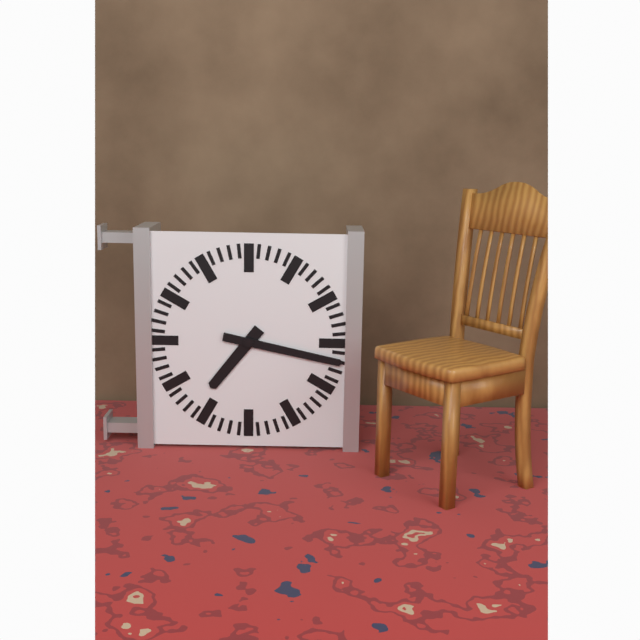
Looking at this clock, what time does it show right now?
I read 7:17
